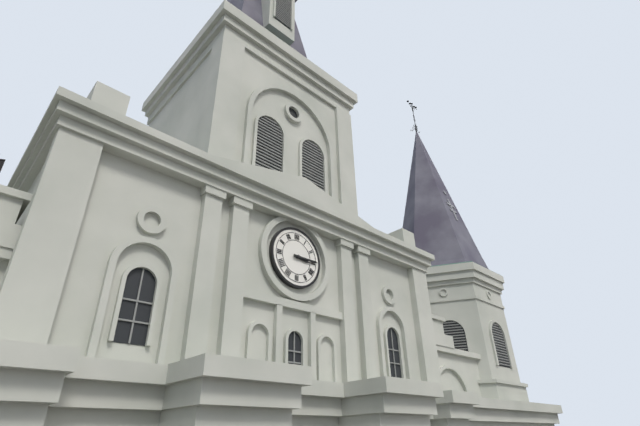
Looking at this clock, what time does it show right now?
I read 3:15
